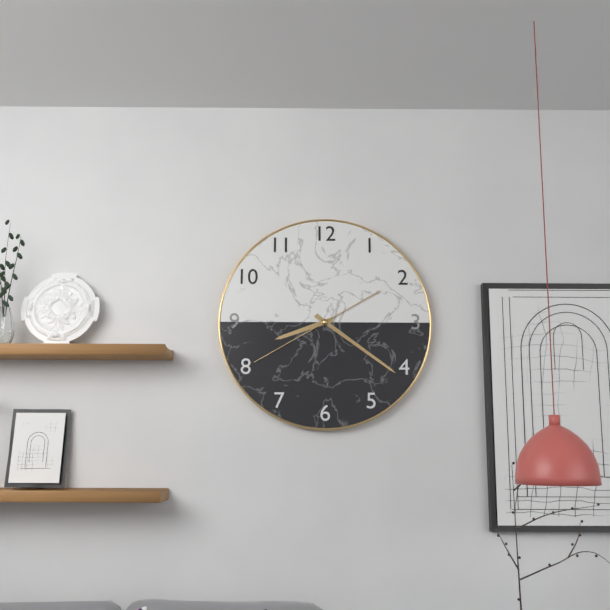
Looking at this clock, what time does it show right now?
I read 8:21:40
